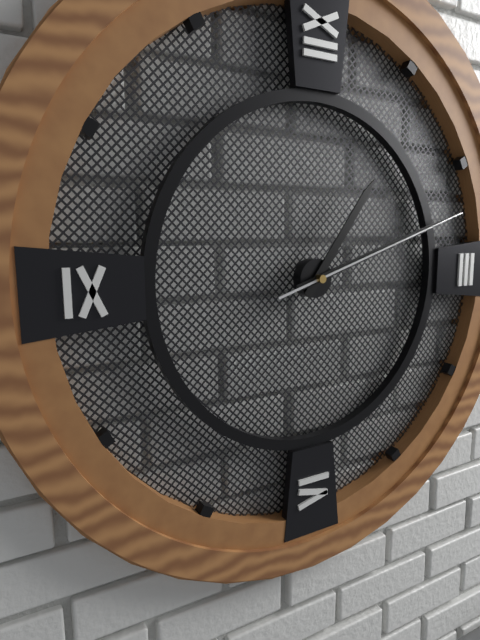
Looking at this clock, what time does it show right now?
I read 1:12:12
